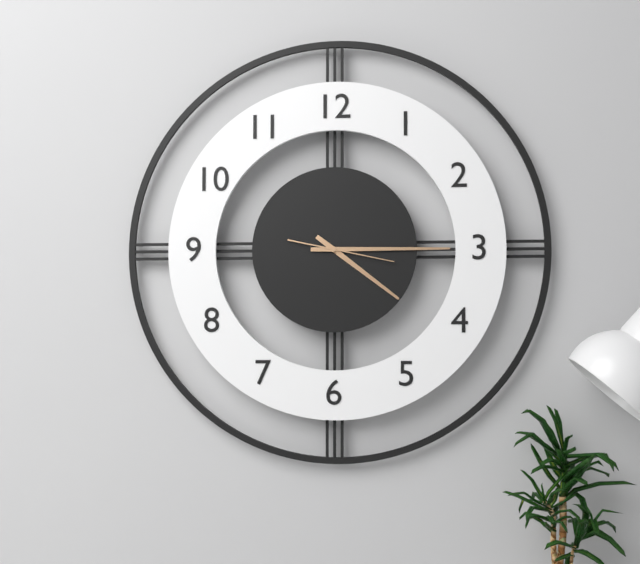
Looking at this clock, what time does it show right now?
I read 4:15:17
